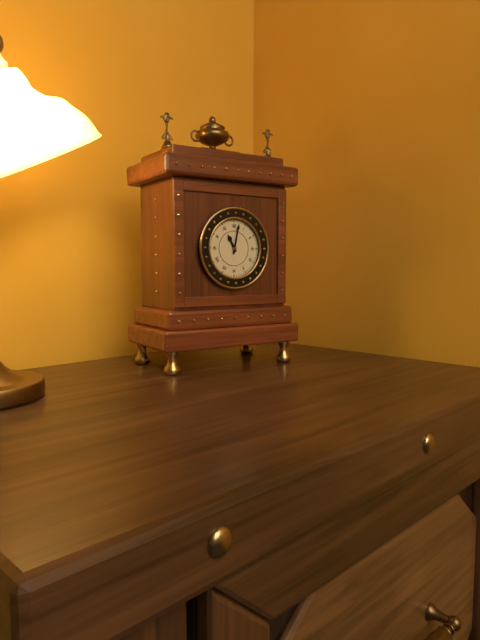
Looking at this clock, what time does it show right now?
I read 11:02
